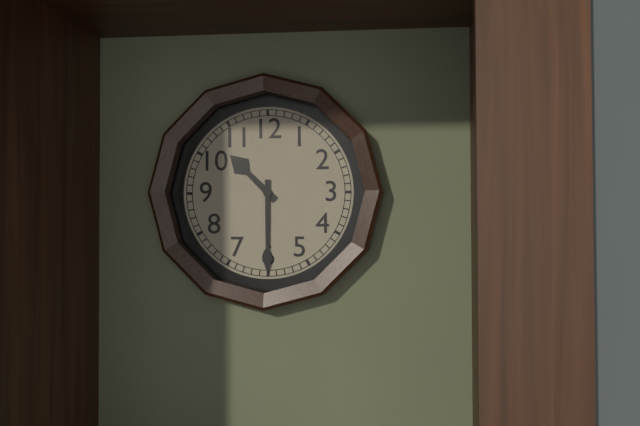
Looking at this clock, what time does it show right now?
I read 10:30
